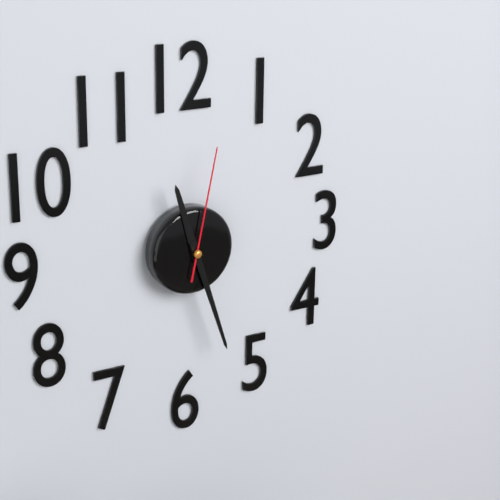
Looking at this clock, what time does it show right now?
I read 11:27:02
